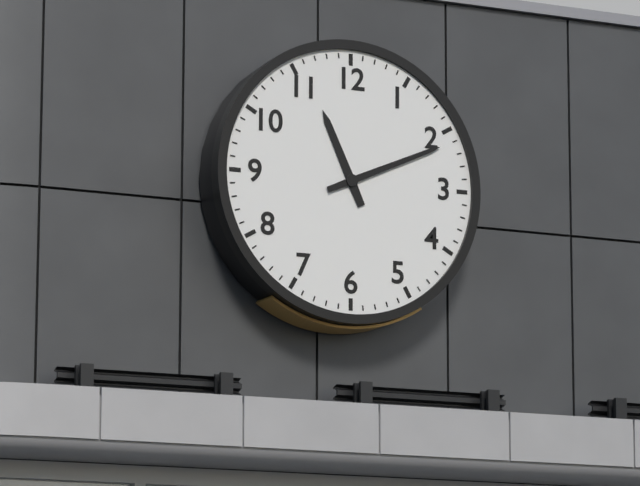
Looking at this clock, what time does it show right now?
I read 11:11
